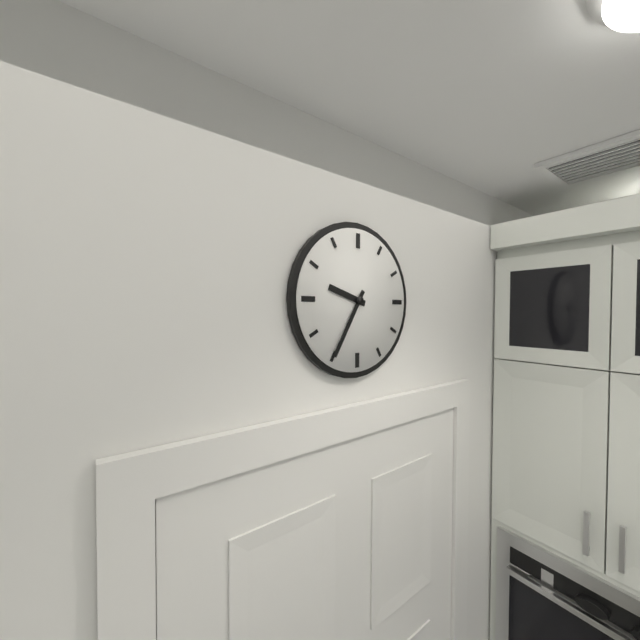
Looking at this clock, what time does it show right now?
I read 9:35
